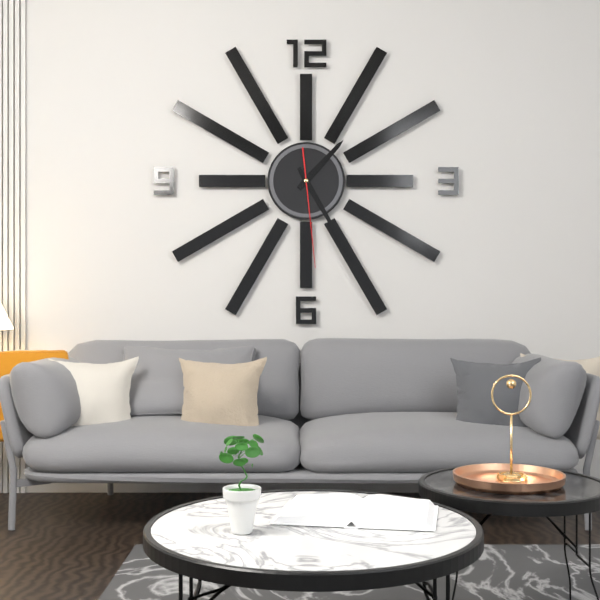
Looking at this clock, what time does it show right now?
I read 1:25:29
